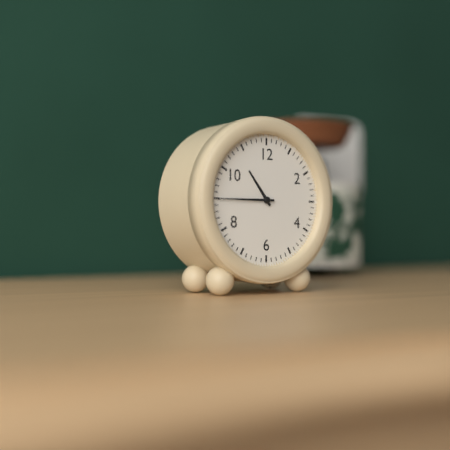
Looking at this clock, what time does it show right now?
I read 10:45
